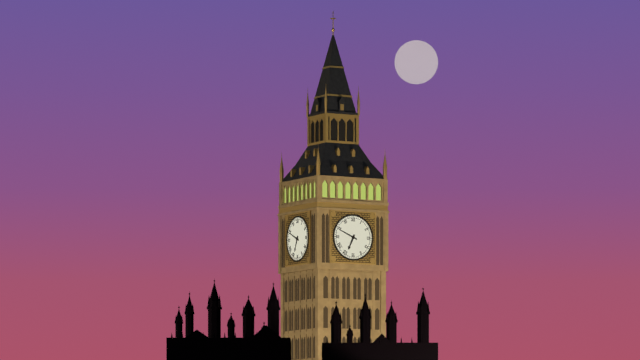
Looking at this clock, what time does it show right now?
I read 6:49
